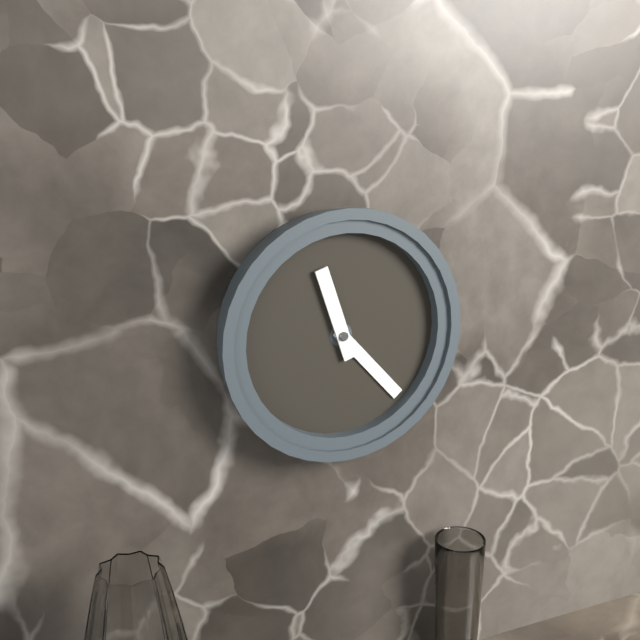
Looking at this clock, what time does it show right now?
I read 11:23
